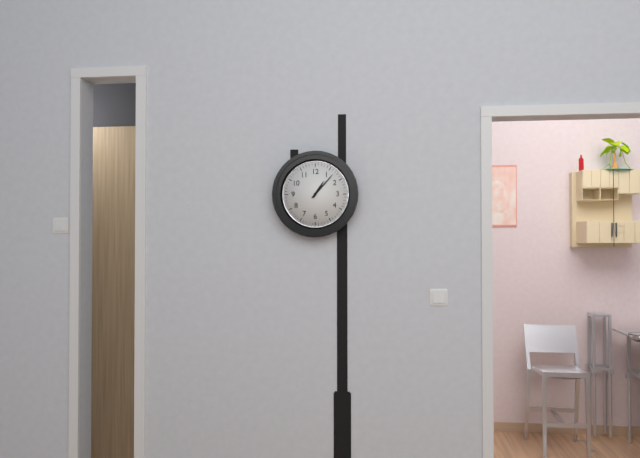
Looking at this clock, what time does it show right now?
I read 1:07
